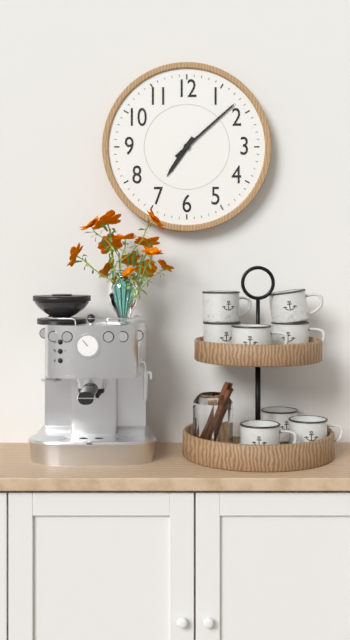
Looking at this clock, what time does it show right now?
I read 7:08
